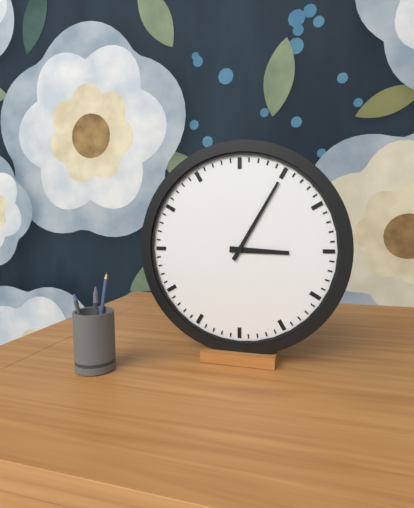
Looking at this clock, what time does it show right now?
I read 3:05
